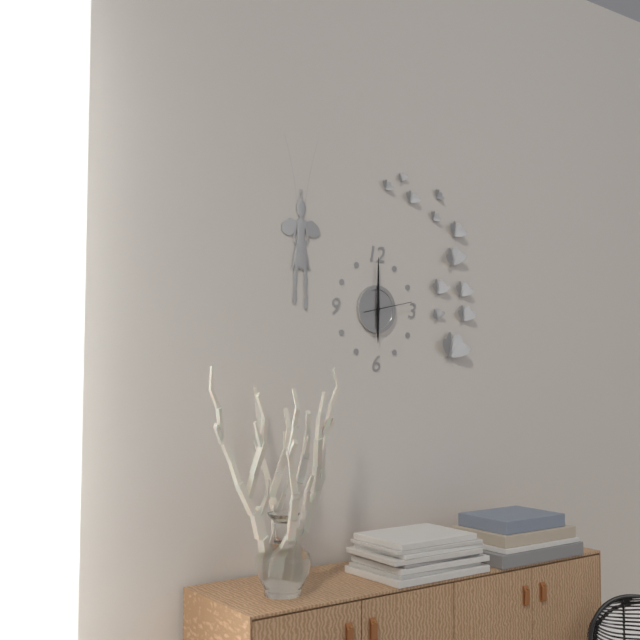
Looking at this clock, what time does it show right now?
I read 6:00
